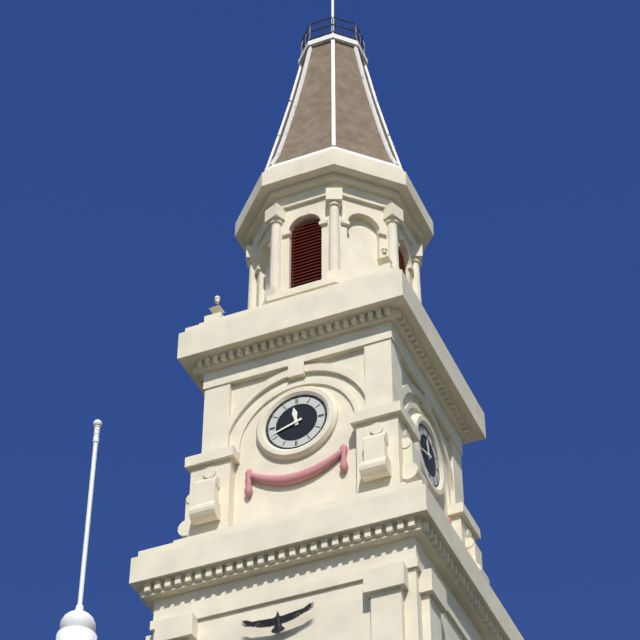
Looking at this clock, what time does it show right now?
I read 11:42
